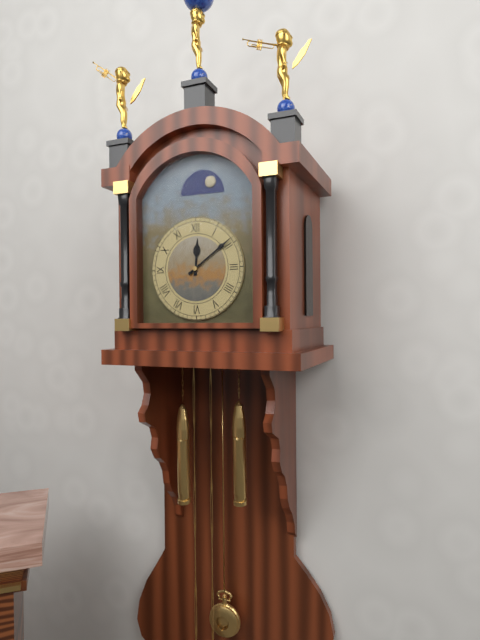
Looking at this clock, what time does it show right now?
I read 12:09
